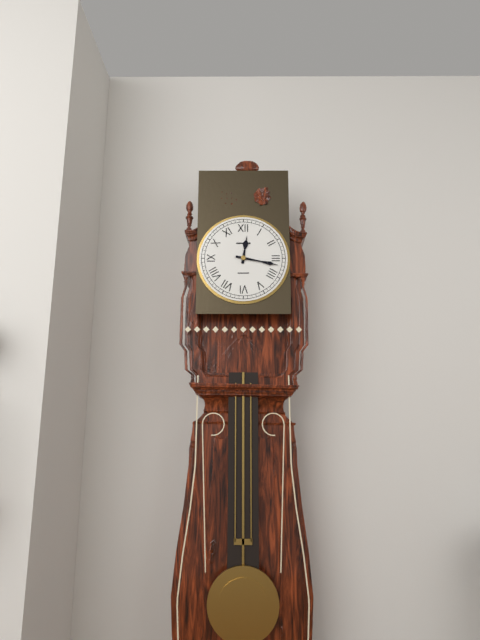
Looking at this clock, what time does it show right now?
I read 12:17
